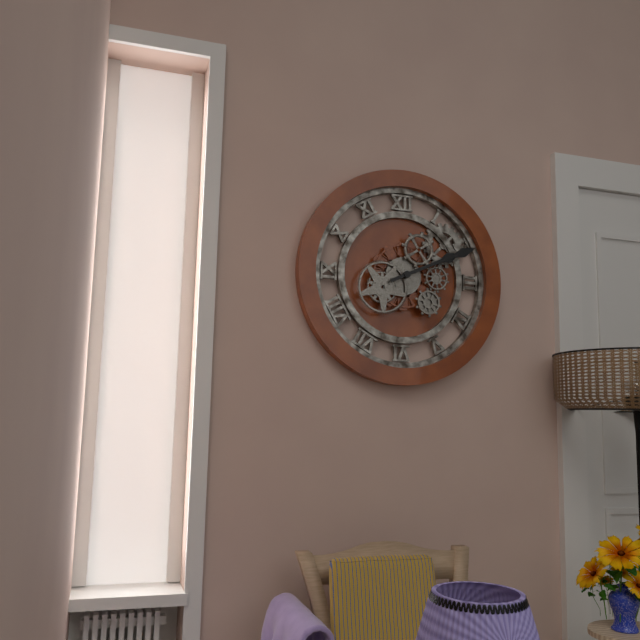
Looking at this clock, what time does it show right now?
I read 2:11
